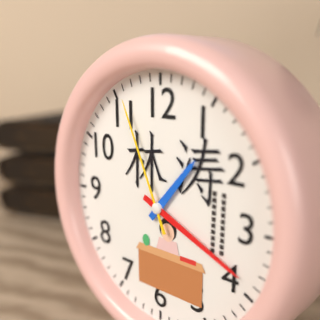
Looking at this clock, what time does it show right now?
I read 1:19:56
